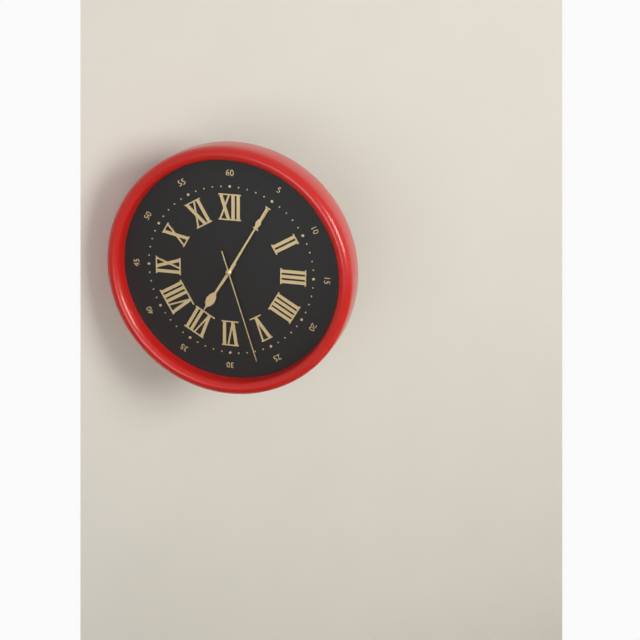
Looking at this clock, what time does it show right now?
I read 7:05:27
